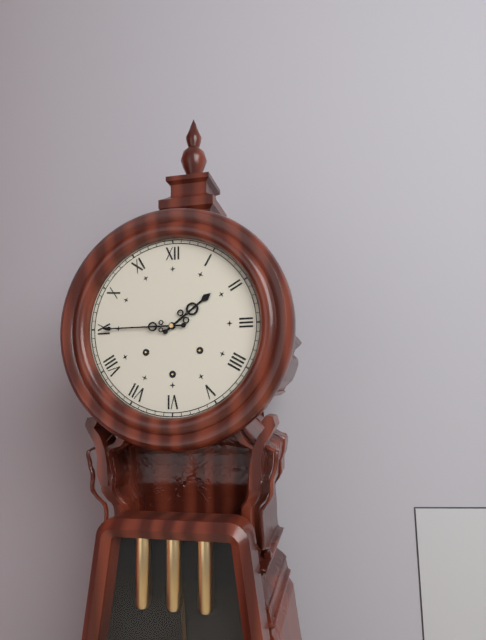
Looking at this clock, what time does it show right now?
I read 1:45
